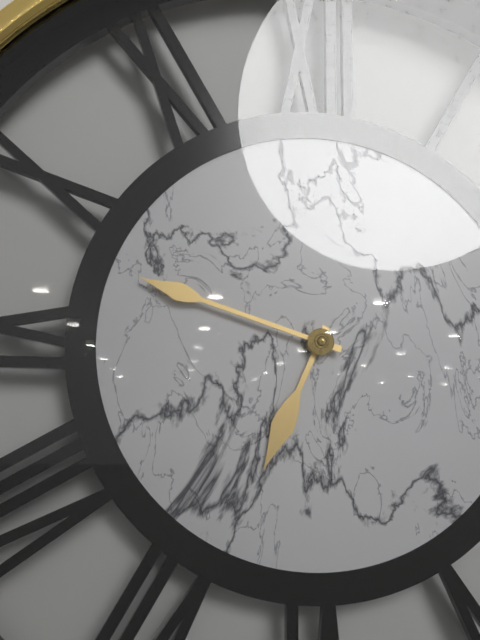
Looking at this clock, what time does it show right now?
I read 6:48
